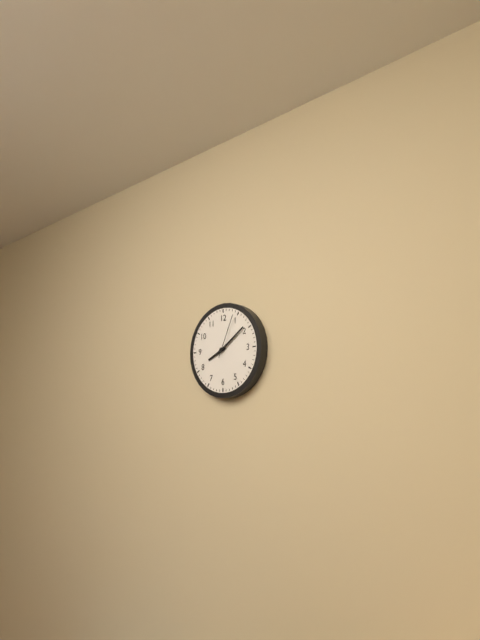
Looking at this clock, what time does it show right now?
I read 8:09
